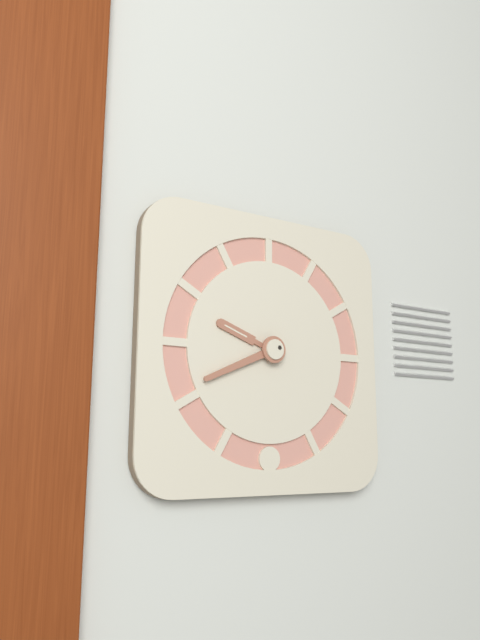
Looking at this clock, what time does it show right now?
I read 9:41
